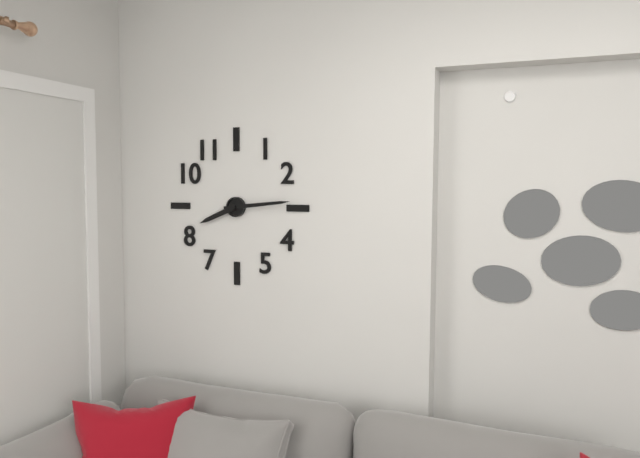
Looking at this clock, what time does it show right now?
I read 8:14
